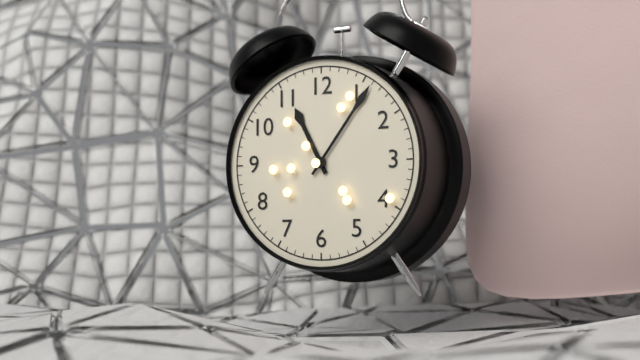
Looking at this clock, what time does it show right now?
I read 11:06
